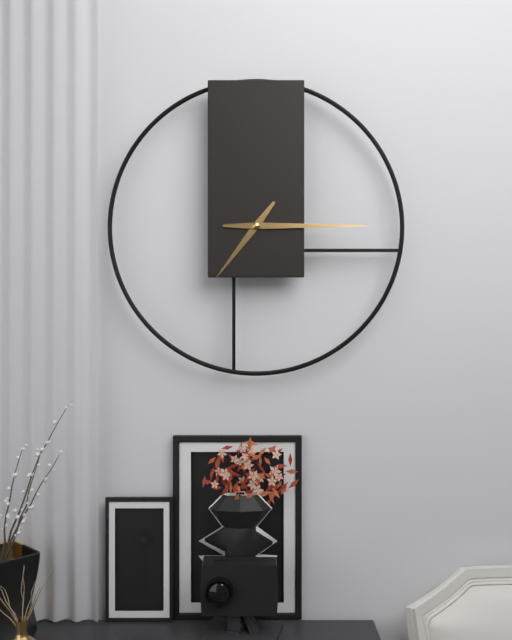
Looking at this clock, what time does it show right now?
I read 7:15
